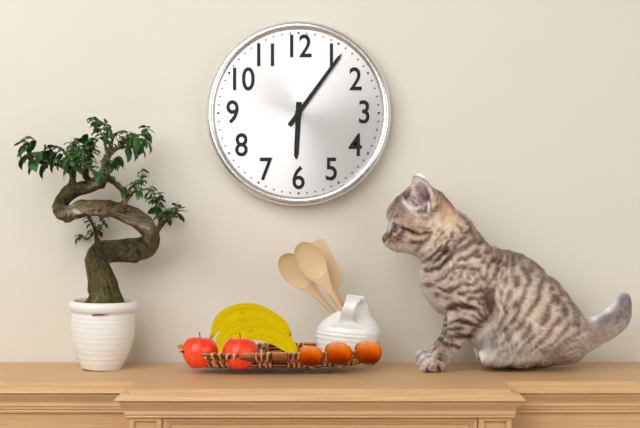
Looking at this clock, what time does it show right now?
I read 6:06
